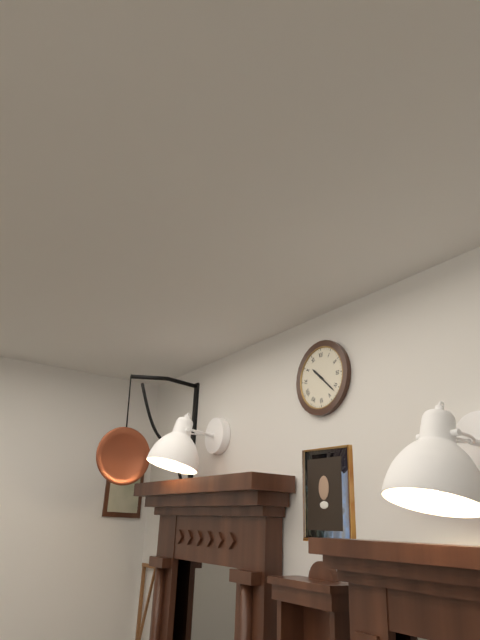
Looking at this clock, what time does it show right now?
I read 10:22
